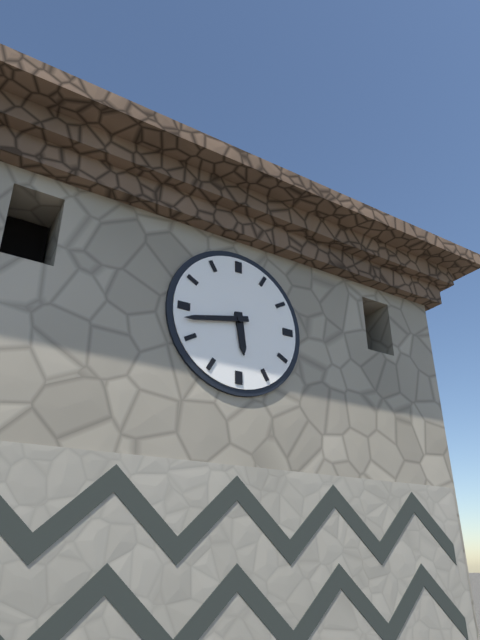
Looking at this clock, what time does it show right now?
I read 5:43
